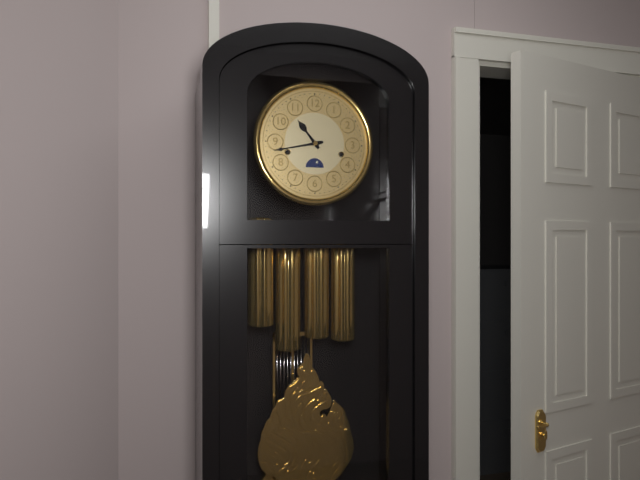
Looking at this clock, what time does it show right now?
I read 10:43
